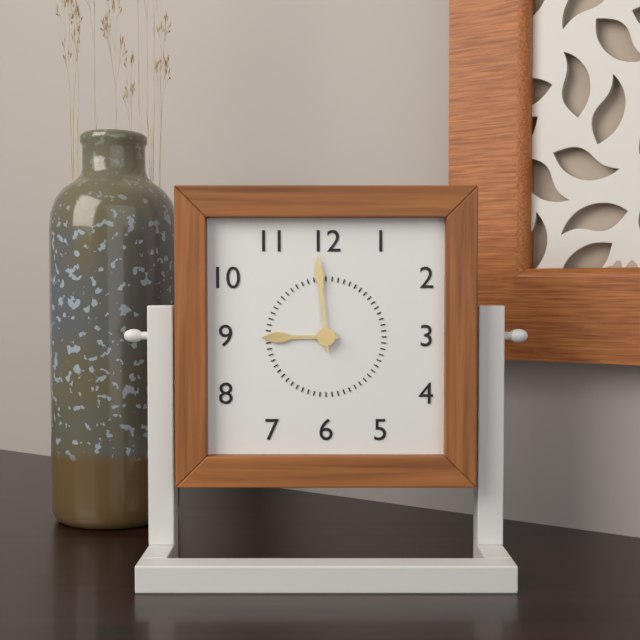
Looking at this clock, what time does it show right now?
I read 8:59
